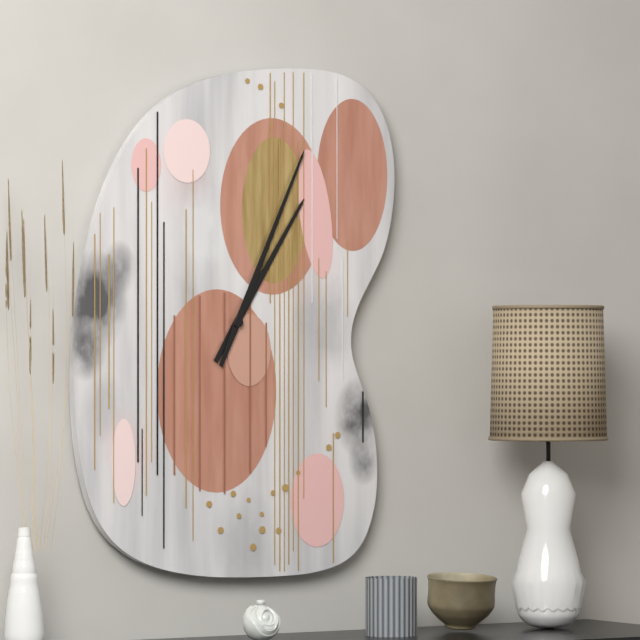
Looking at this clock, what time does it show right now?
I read 1:04
